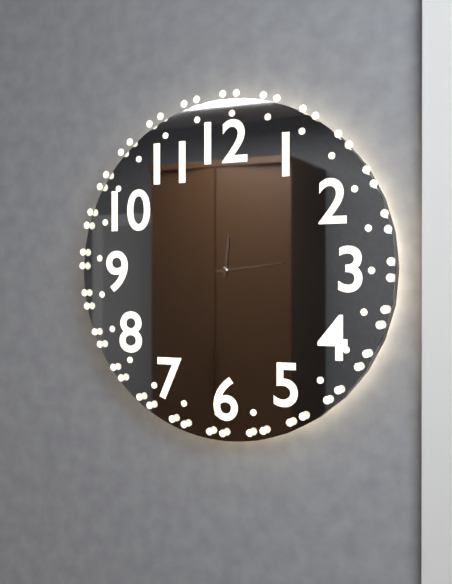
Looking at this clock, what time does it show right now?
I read 12:14
